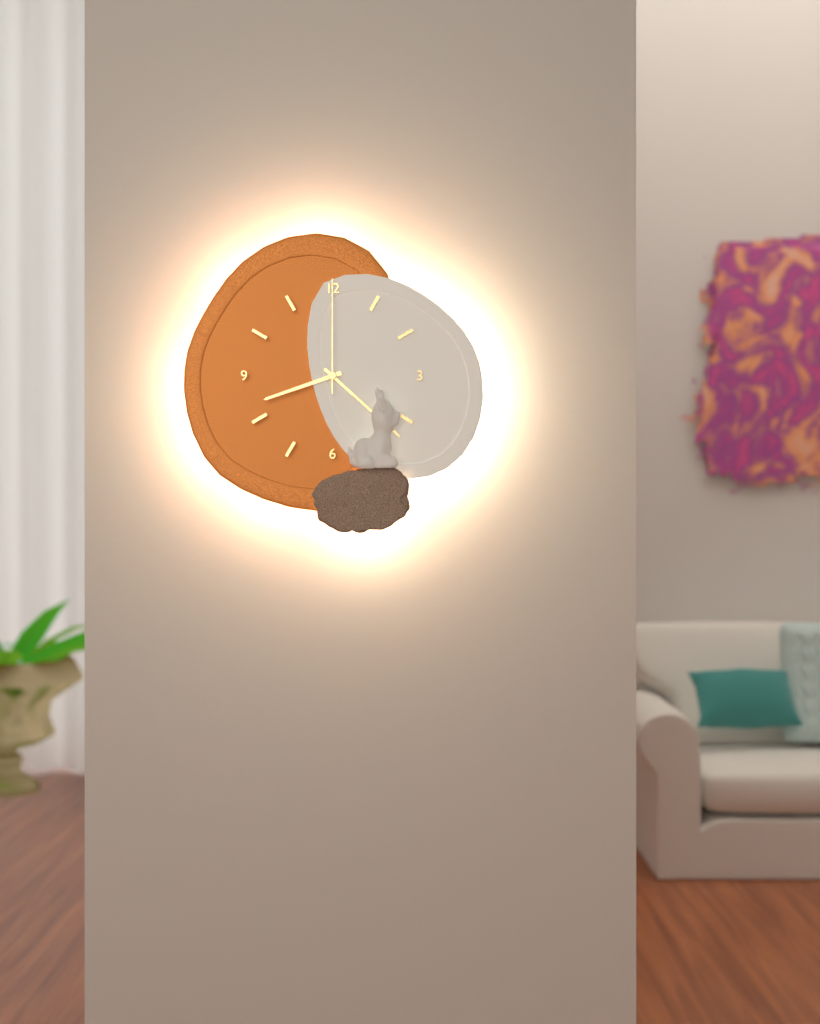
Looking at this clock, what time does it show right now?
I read 8:22:00
